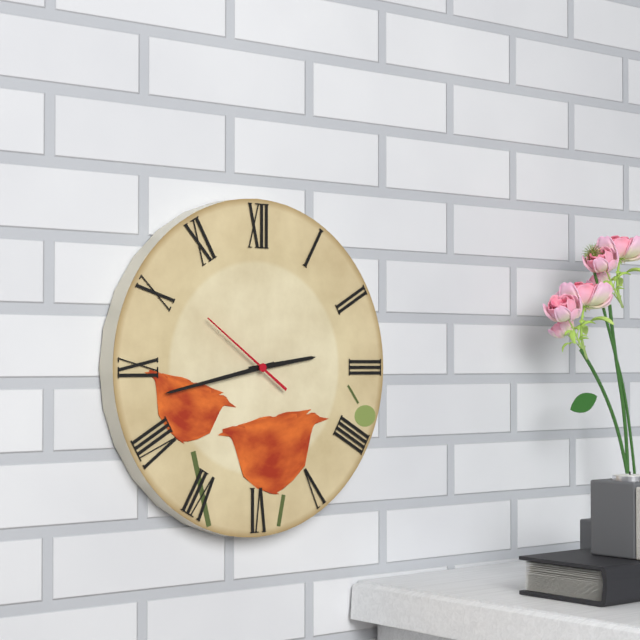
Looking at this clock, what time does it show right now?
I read 2:43:51
